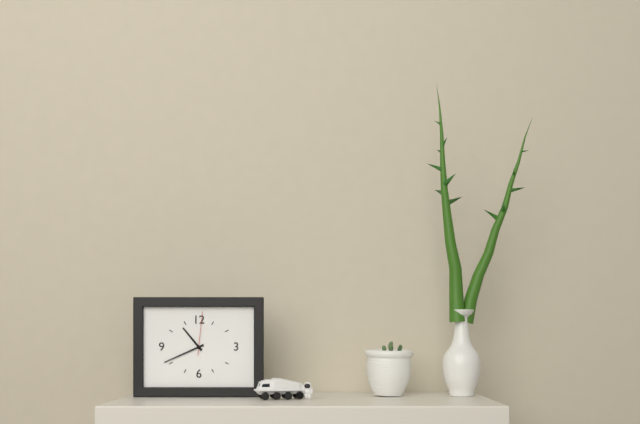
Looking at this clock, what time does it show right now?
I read 10:41
